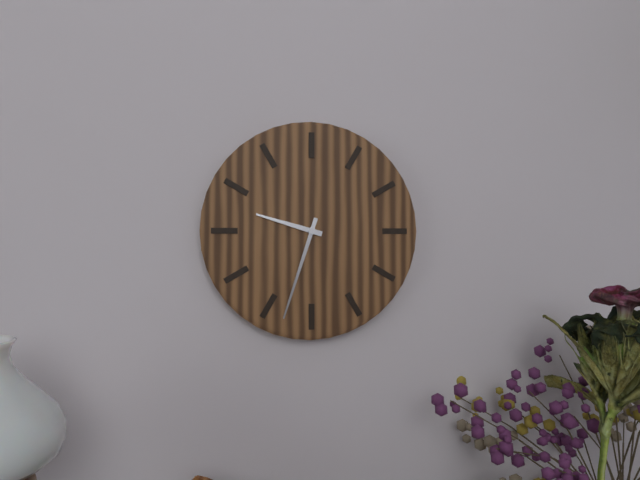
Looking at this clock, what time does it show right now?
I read 9:33
